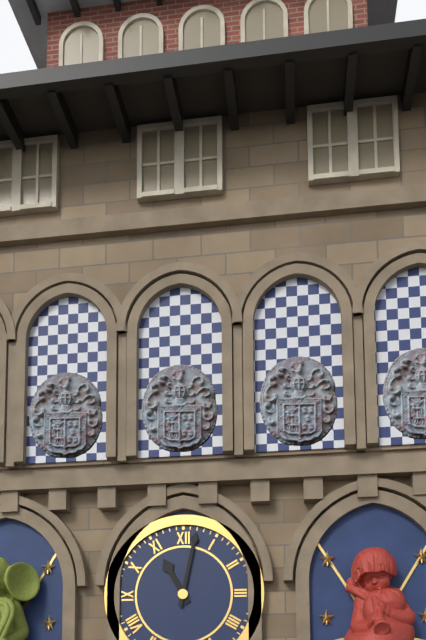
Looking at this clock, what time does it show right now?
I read 11:02
